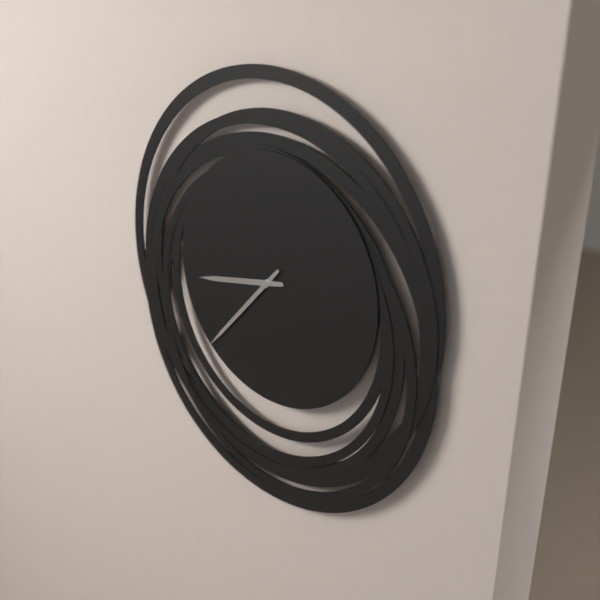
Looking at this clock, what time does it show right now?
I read 8:37
